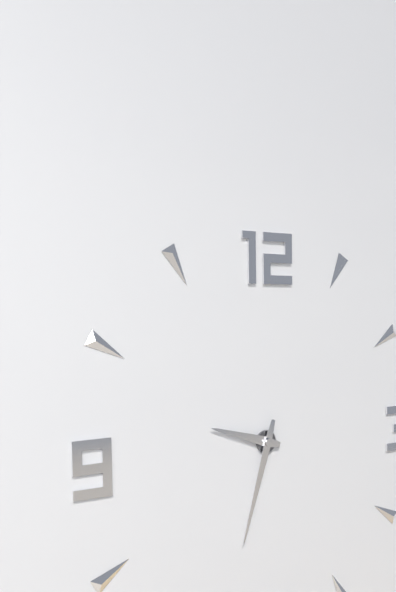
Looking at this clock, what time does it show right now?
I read 9:33
